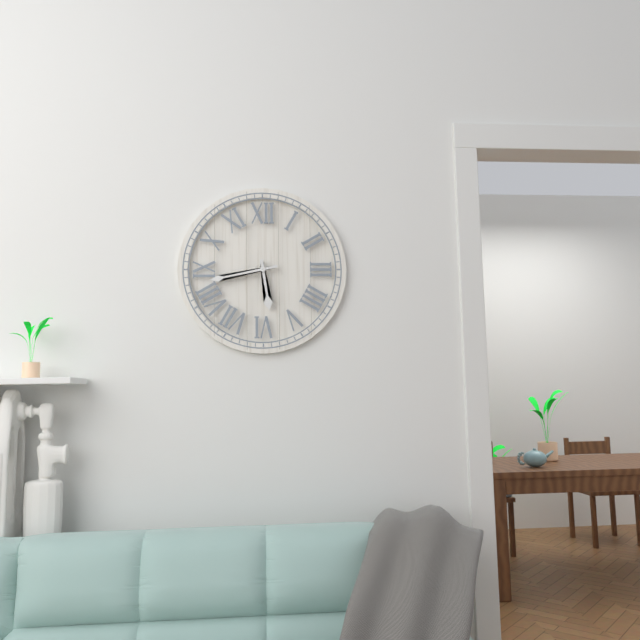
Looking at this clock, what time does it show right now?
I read 5:43
